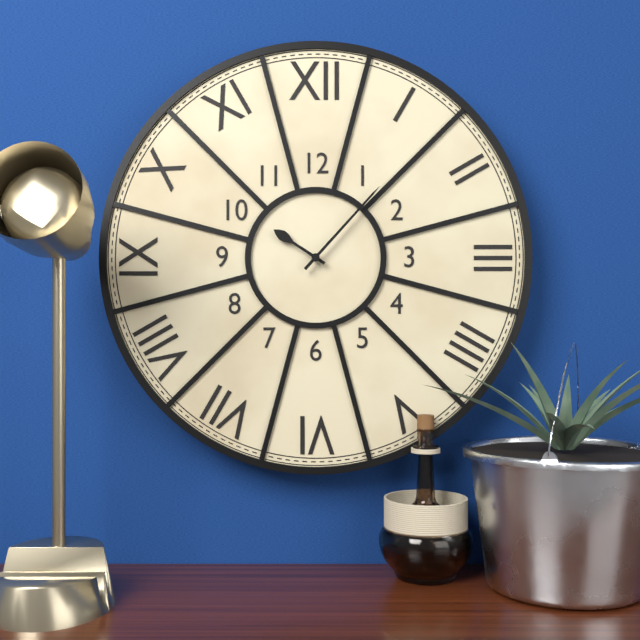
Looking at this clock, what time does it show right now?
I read 10:07
